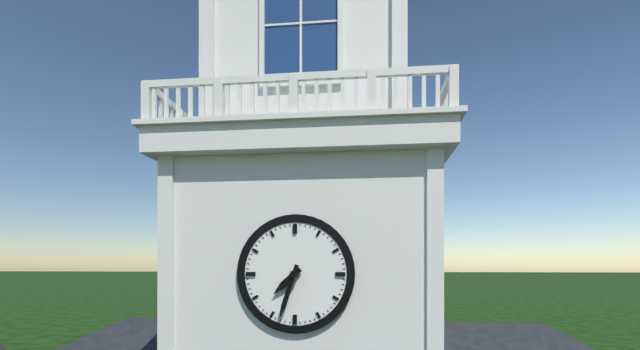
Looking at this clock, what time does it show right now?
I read 7:33
